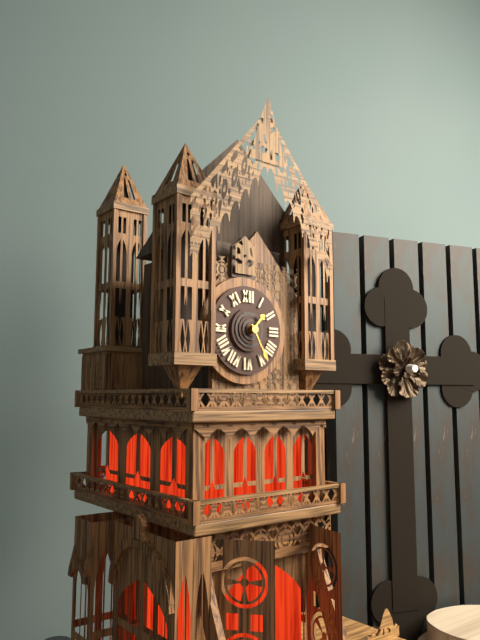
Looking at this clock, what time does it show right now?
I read 1:25
